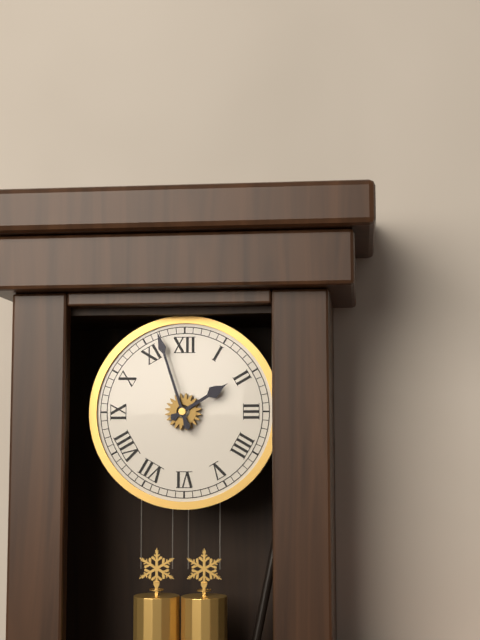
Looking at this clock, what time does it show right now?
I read 1:57
